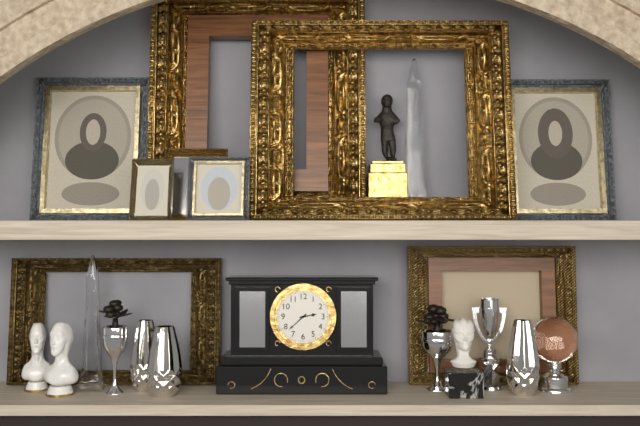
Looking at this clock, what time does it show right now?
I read 2:38
